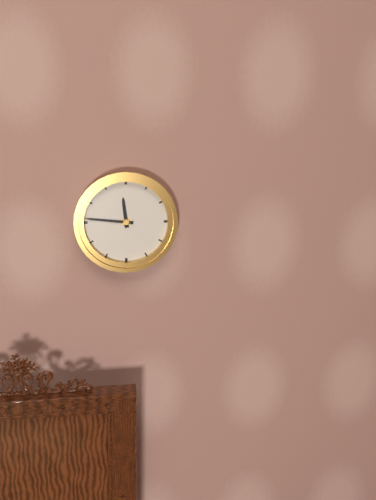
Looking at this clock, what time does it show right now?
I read 11:46
